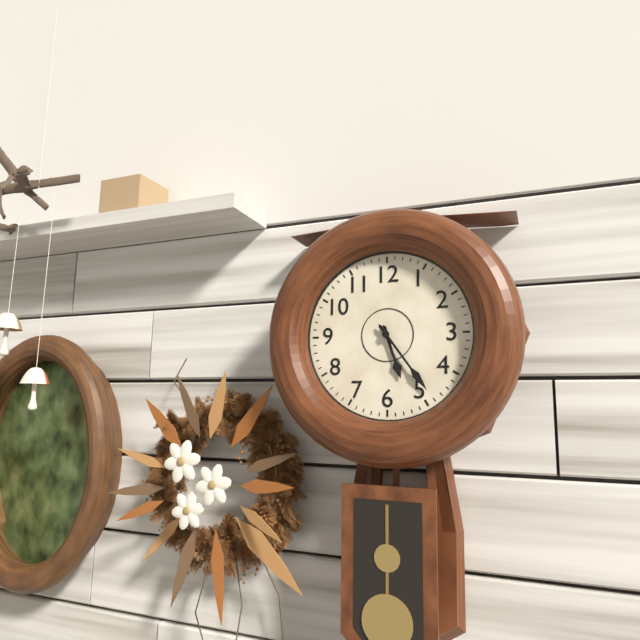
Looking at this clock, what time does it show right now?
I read 5:24
